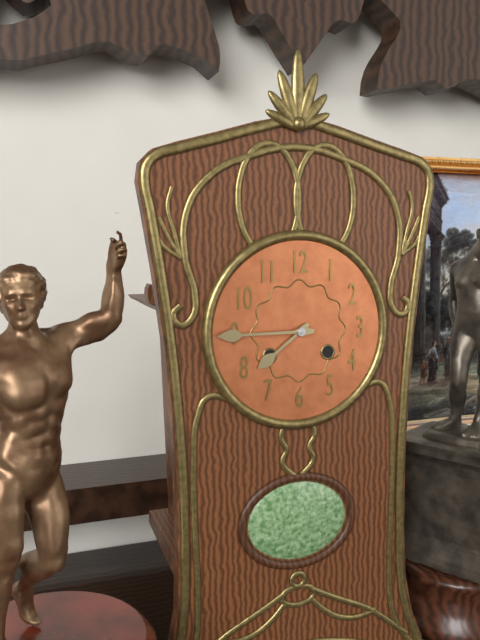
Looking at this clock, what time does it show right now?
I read 7:45
